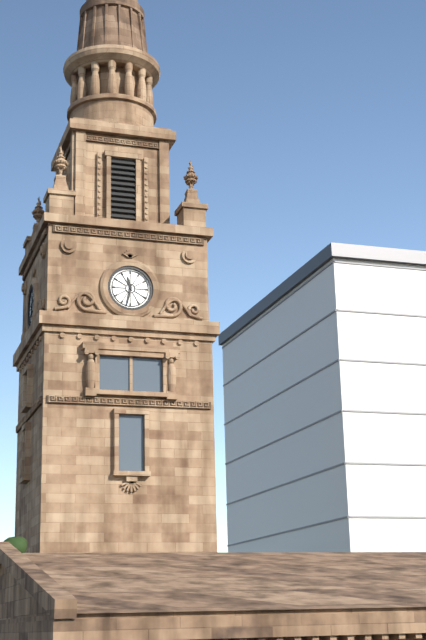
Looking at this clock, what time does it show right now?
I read 11:32
